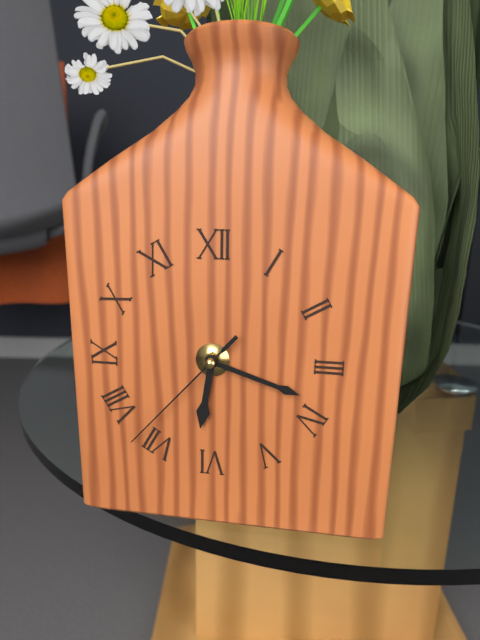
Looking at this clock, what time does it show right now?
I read 6:18:37
